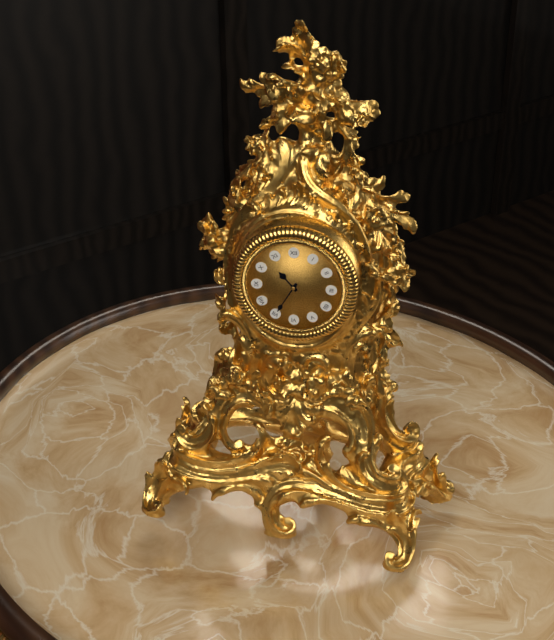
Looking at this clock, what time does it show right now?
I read 10:35
